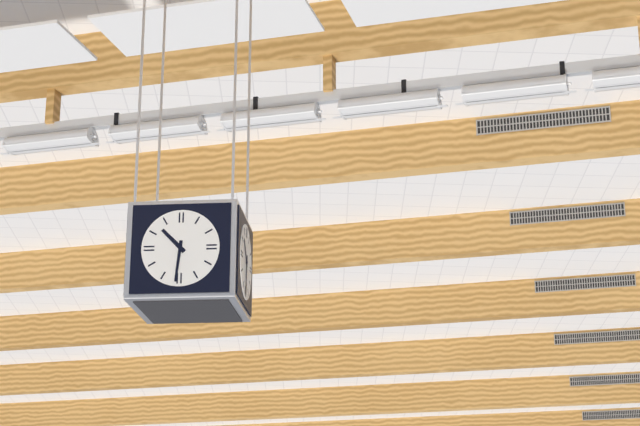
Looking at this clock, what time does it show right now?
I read 10:31
